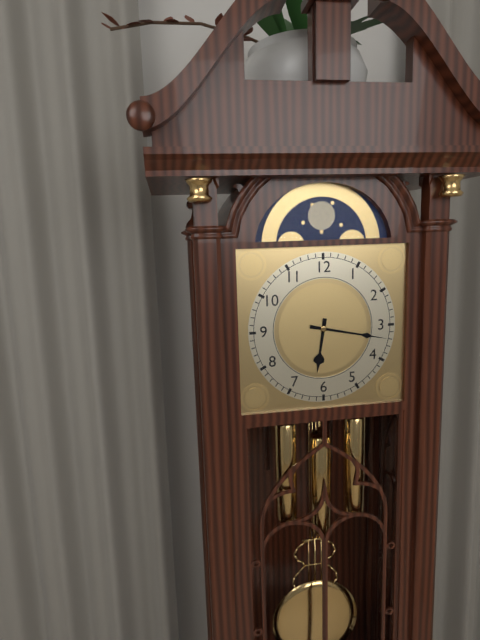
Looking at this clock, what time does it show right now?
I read 6:17
